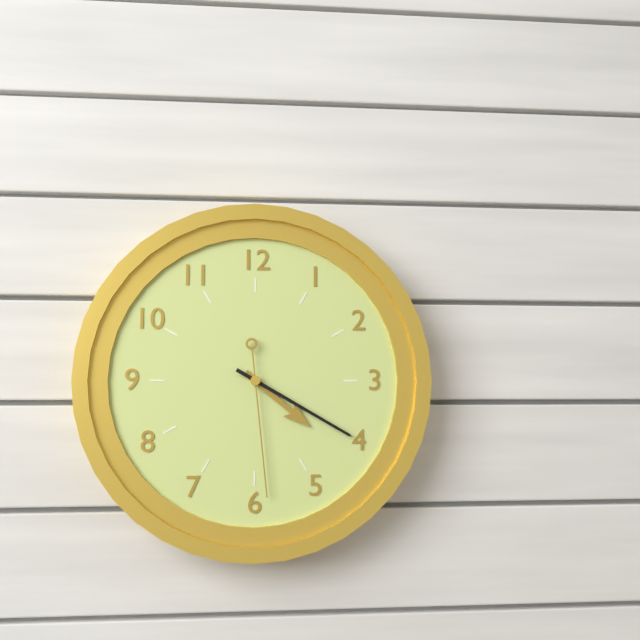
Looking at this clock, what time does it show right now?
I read 4:20:29
